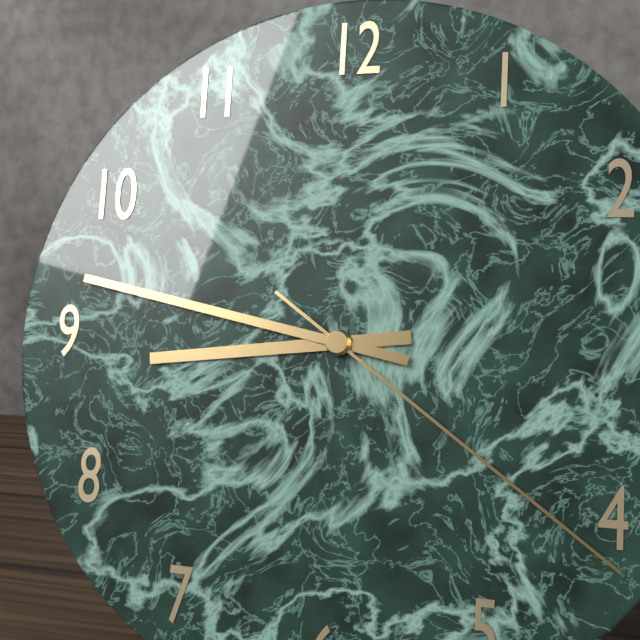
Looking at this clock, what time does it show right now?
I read 8:47:21
